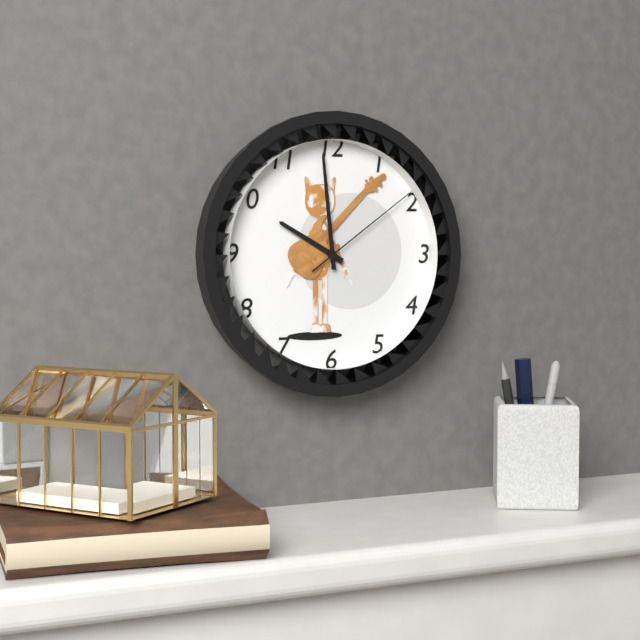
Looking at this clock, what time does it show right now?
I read 9:59:09
